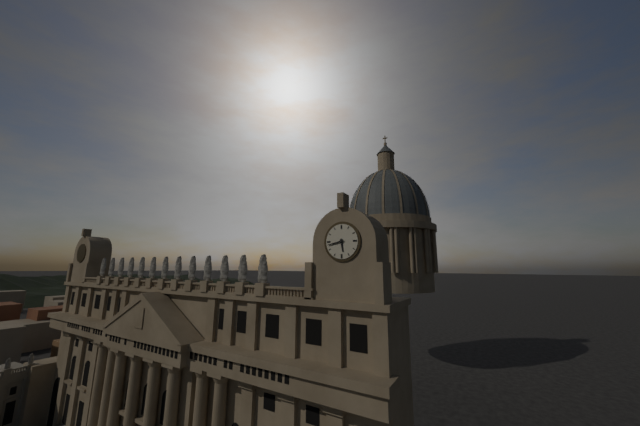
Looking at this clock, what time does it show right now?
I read 5:43
